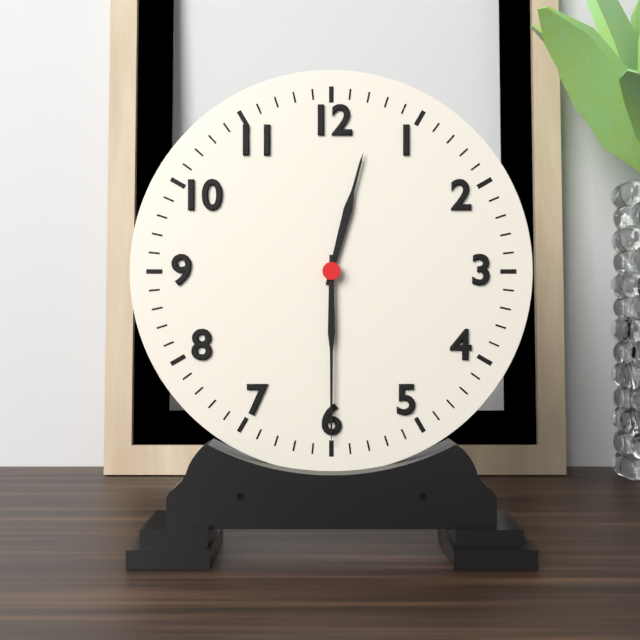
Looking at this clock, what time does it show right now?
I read 12:30
